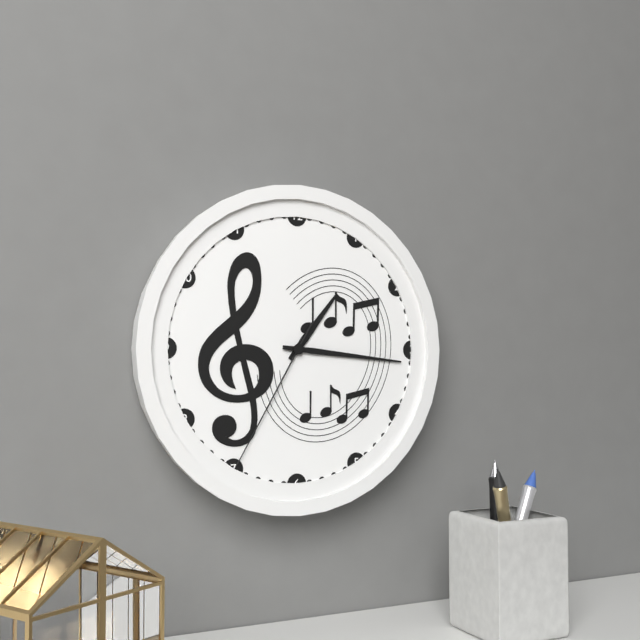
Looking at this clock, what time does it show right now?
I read 1:16:35
